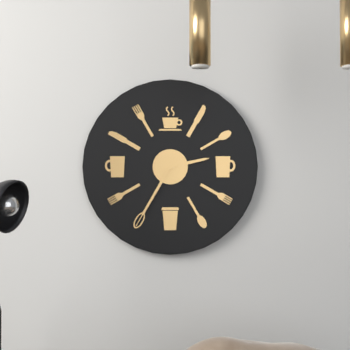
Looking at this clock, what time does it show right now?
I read 2:35
